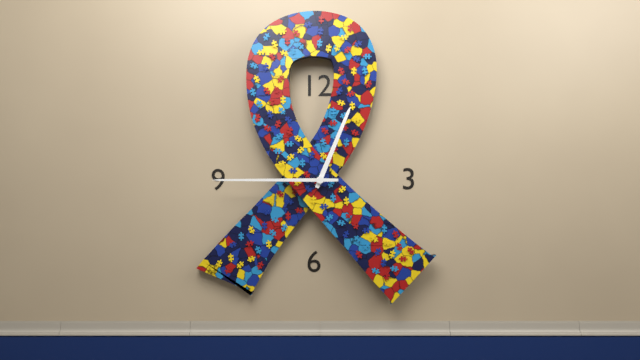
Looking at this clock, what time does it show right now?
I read 12:45
